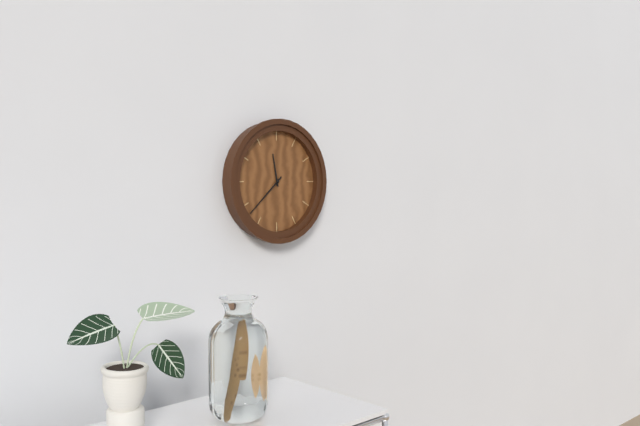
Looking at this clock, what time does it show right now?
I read 11:38
